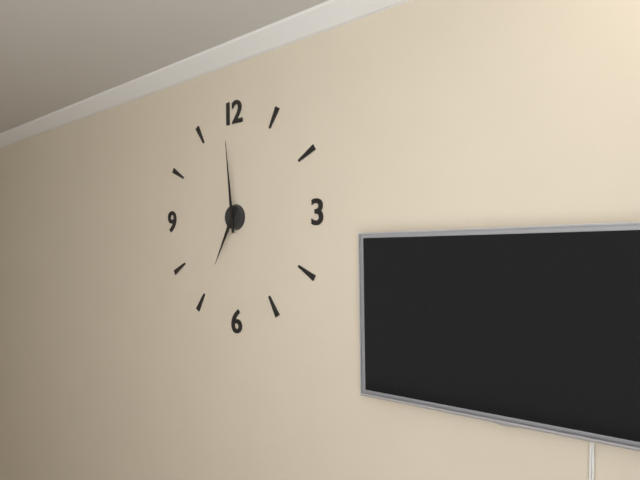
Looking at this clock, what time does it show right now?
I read 6:59
